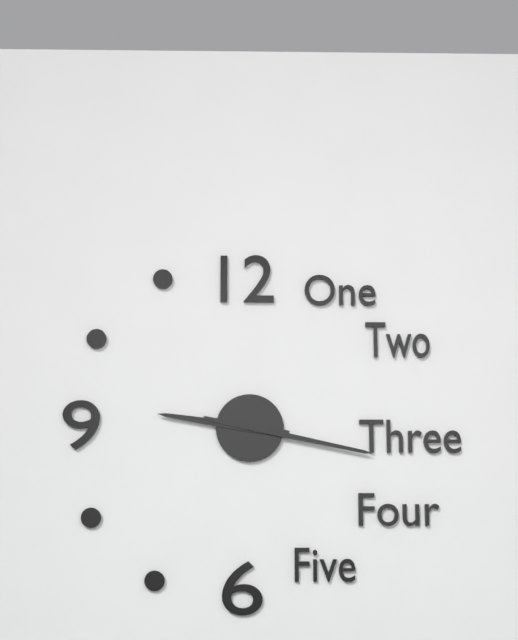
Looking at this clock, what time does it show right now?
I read 9:17
